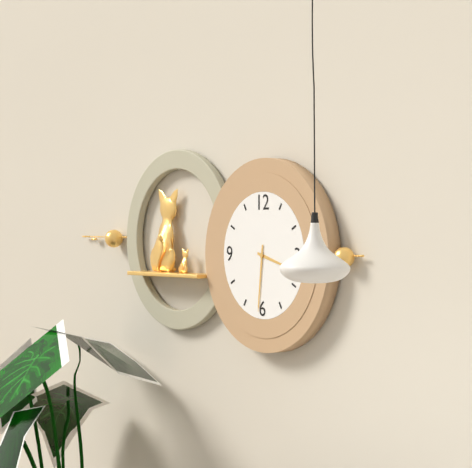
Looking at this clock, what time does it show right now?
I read 3:31
